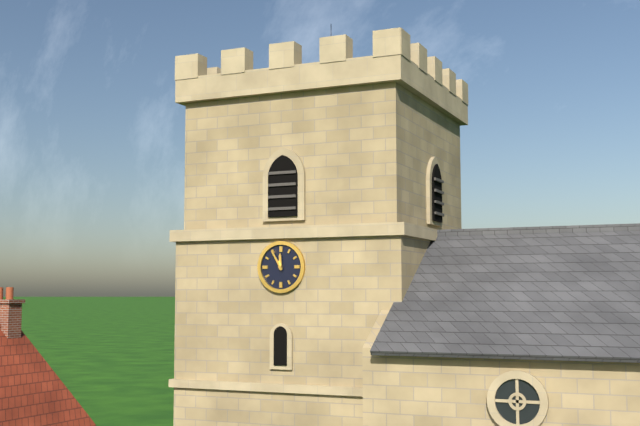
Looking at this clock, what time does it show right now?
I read 11:55
